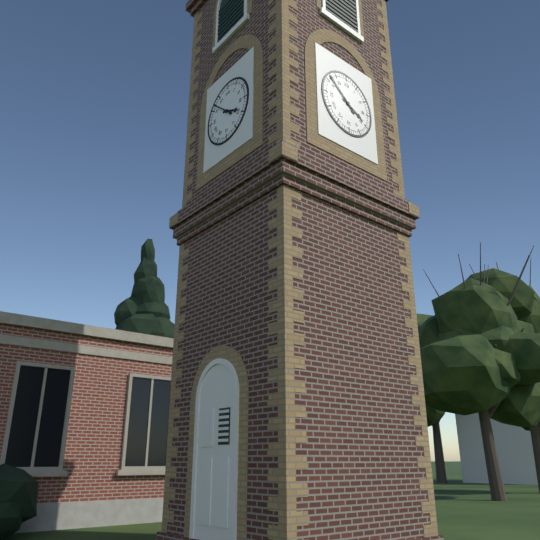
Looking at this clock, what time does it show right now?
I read 3:52
